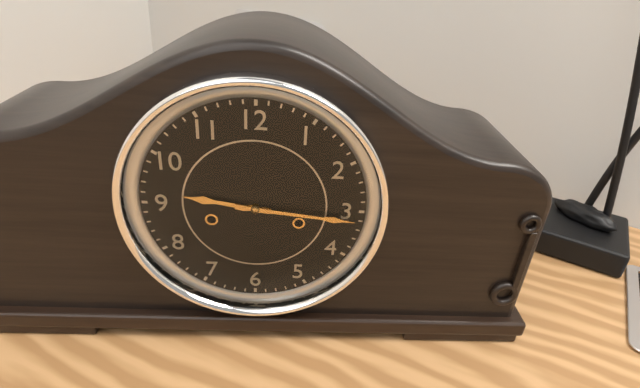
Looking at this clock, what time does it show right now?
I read 9:16
